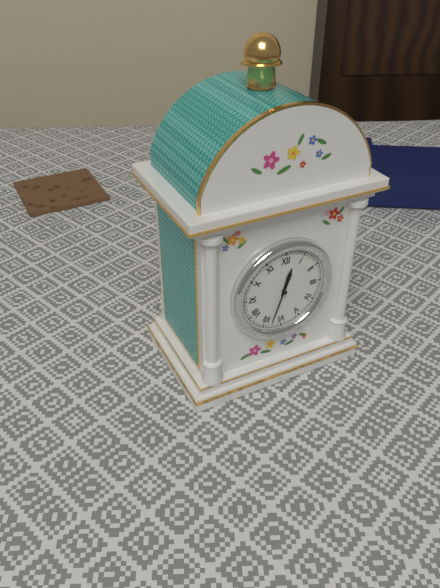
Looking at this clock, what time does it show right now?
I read 12:33
